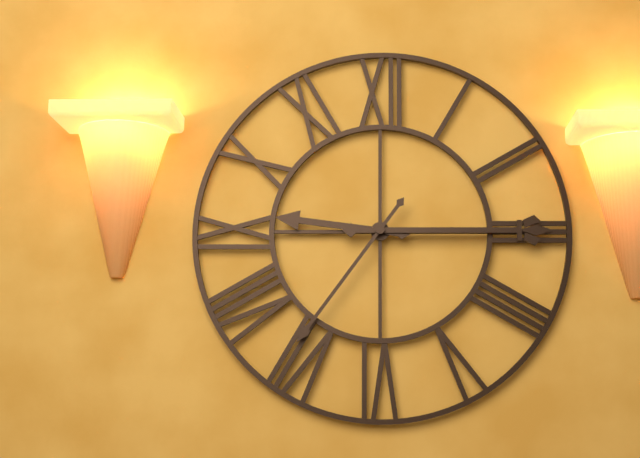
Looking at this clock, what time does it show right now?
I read 9:15:36
